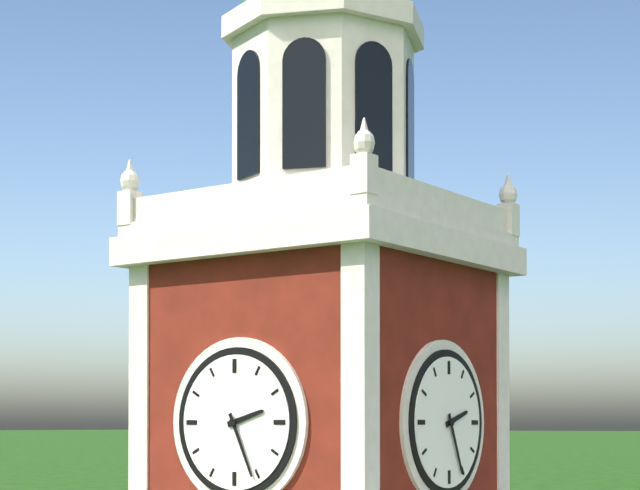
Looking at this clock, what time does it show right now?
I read 2:26
